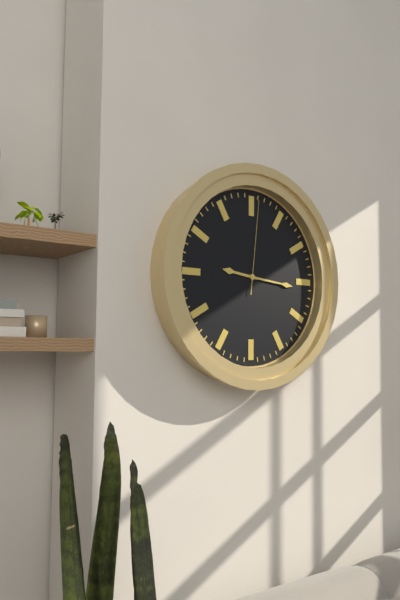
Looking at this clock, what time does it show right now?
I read 9:16:01
